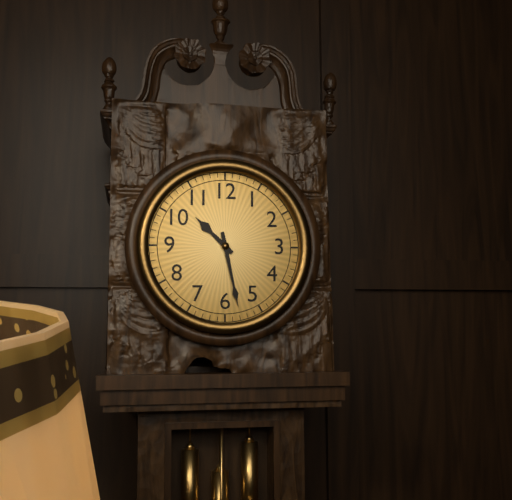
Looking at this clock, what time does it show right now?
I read 10:28
